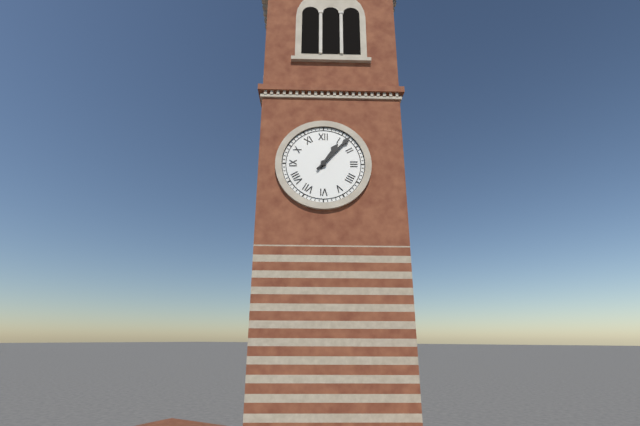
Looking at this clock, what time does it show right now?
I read 1:07
